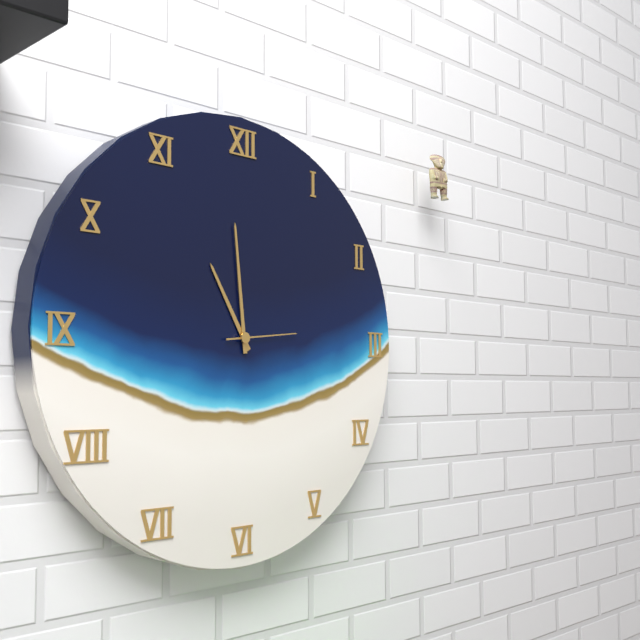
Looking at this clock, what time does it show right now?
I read 10:59:14
